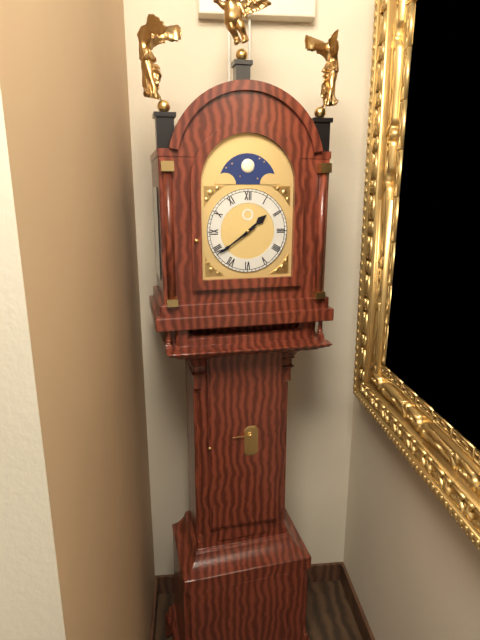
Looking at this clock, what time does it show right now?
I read 1:39
